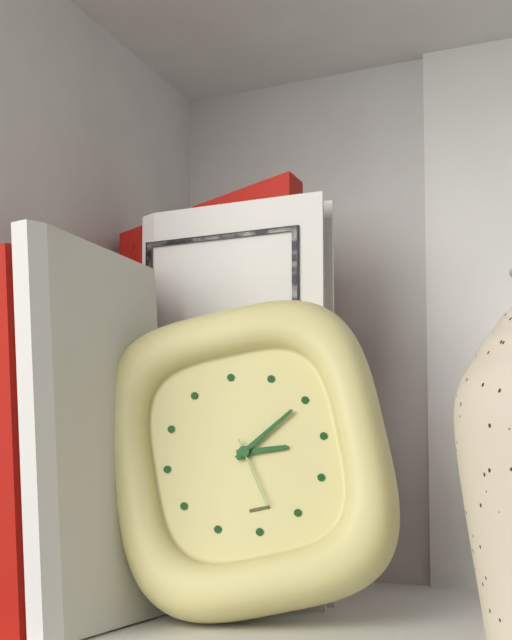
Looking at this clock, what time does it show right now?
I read 3:10:28
